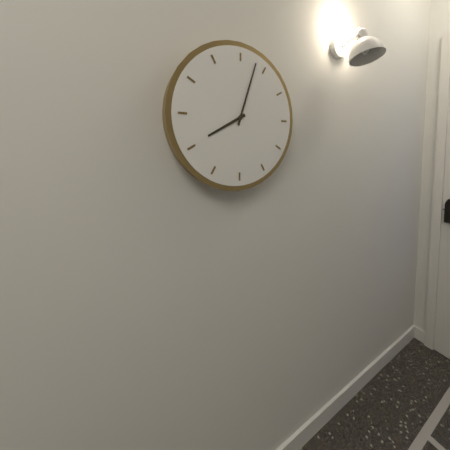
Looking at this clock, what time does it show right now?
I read 8:03
